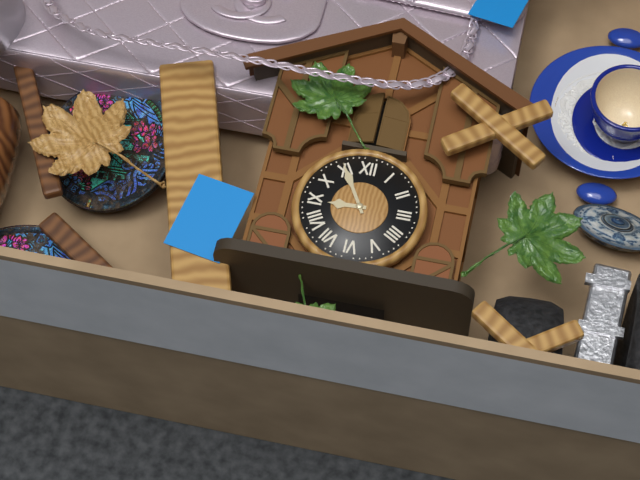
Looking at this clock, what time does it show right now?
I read 8:55
